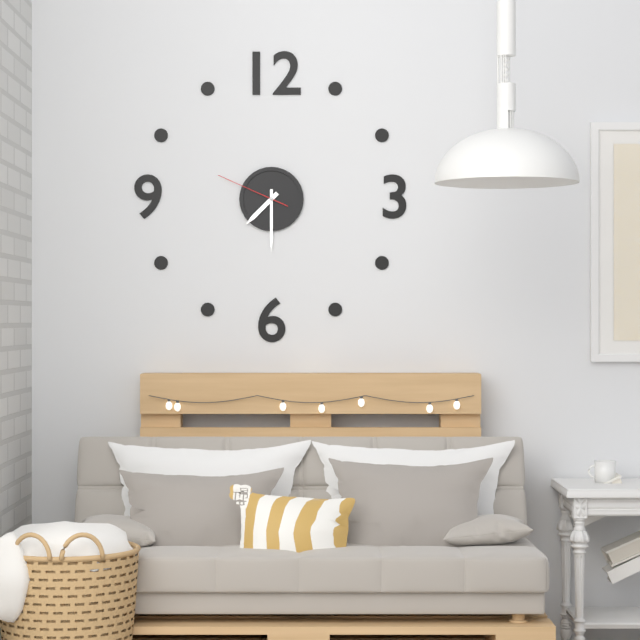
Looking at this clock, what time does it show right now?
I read 7:30:49
